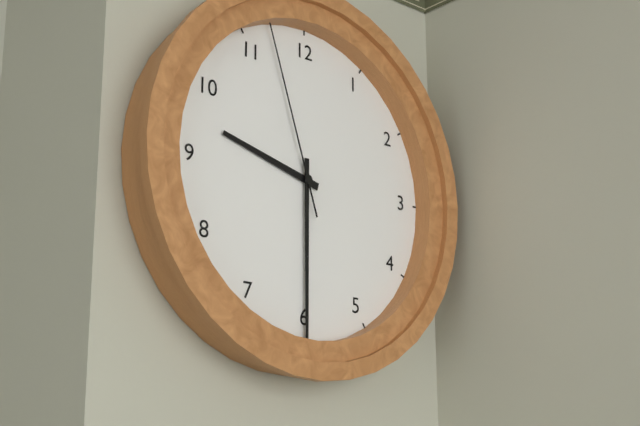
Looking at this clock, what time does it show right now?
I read 9:30:57
